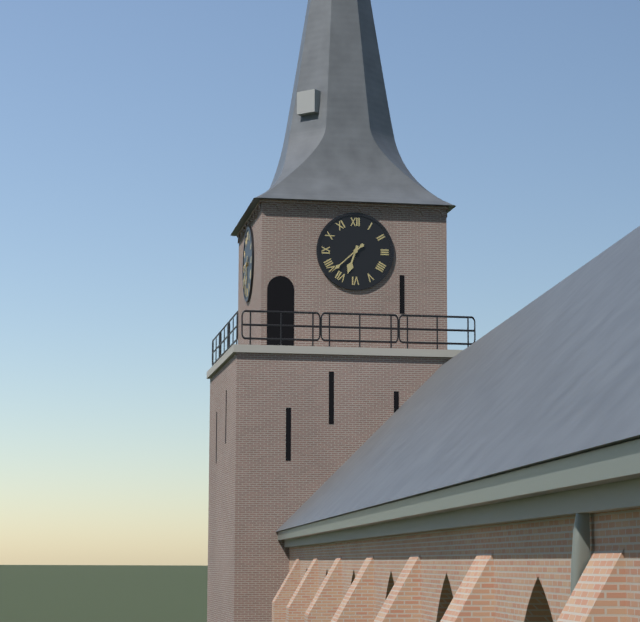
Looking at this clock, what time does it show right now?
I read 6:38
